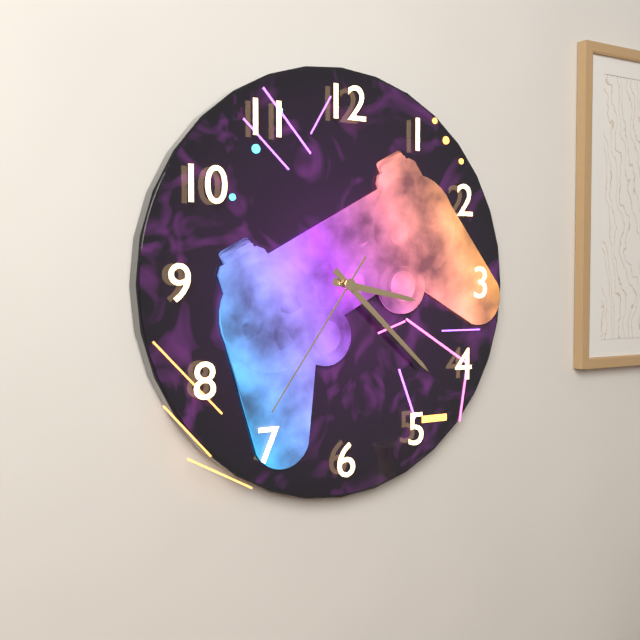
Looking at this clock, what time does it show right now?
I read 3:22:36
